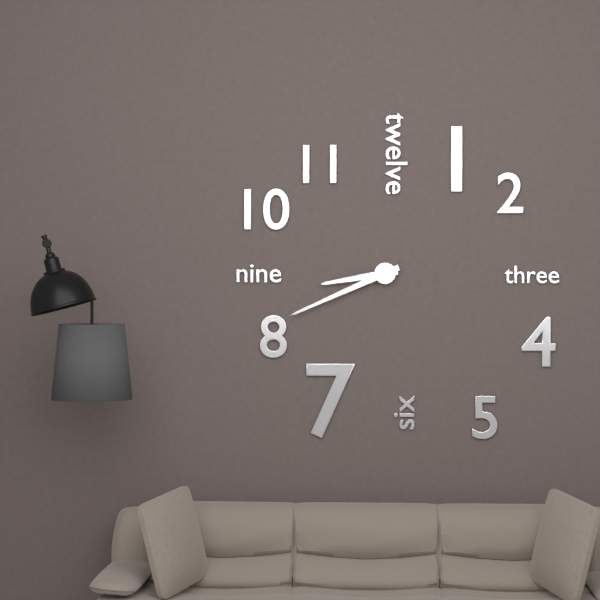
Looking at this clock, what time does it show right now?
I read 8:41
